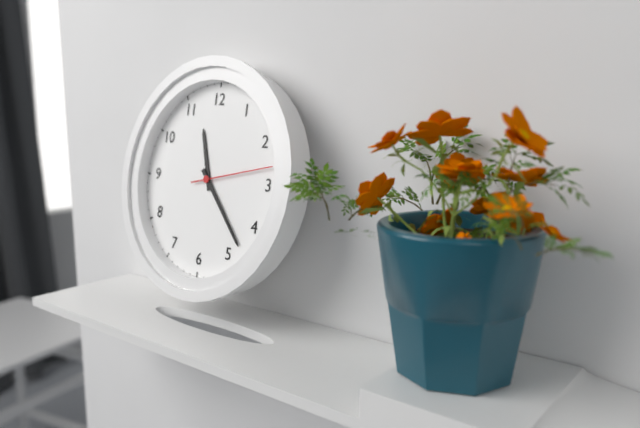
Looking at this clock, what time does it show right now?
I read 11:23:13
